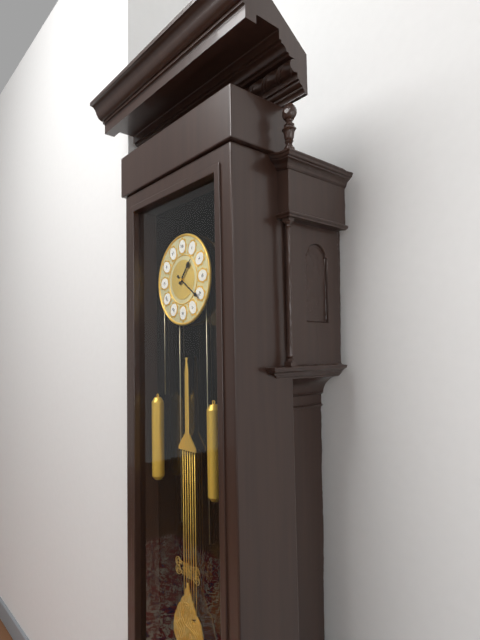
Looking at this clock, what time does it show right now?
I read 1:21
